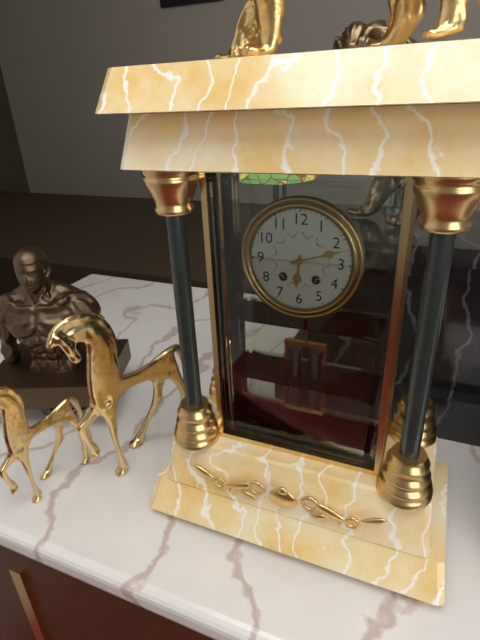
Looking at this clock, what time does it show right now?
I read 6:12
